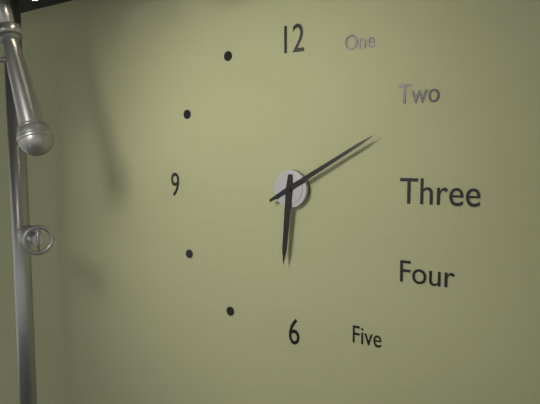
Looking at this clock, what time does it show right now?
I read 6:10
